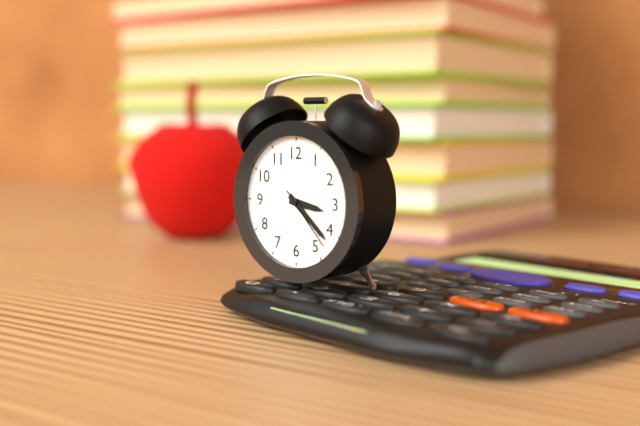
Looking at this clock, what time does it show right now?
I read 3:22:23
